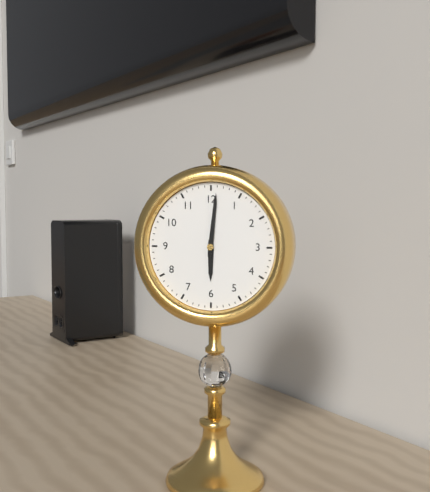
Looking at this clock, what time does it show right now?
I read 6:01
